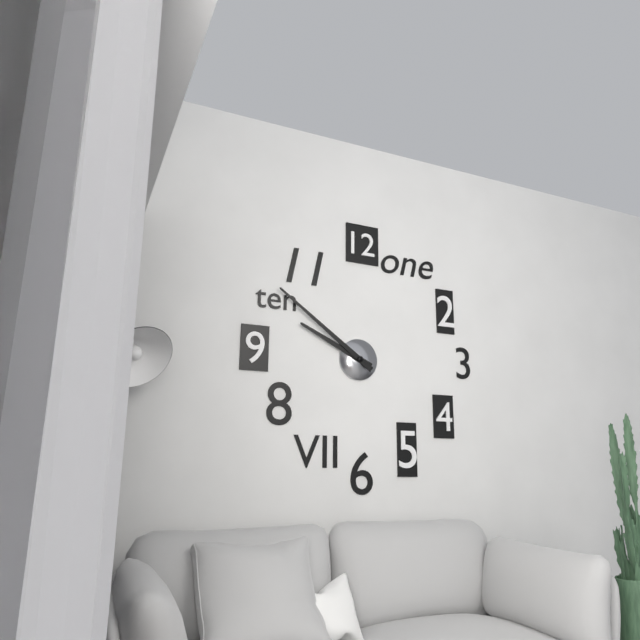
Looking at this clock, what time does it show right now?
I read 9:51
